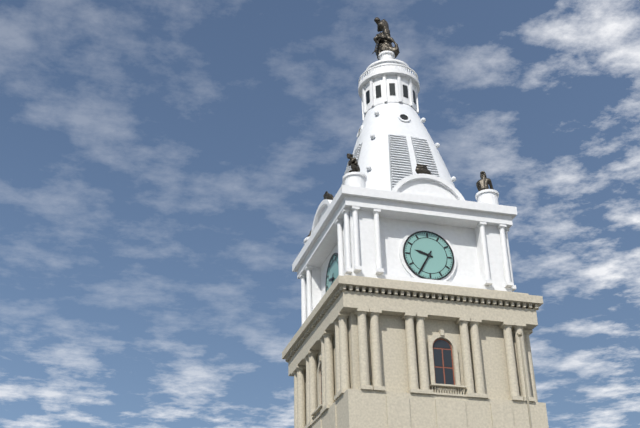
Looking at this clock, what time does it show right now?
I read 9:35
